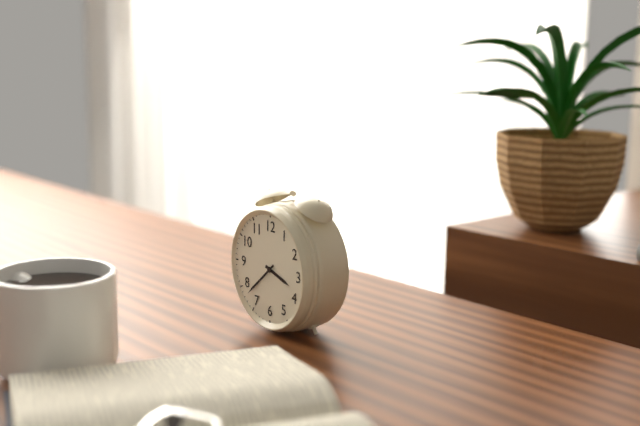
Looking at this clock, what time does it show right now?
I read 3:38
